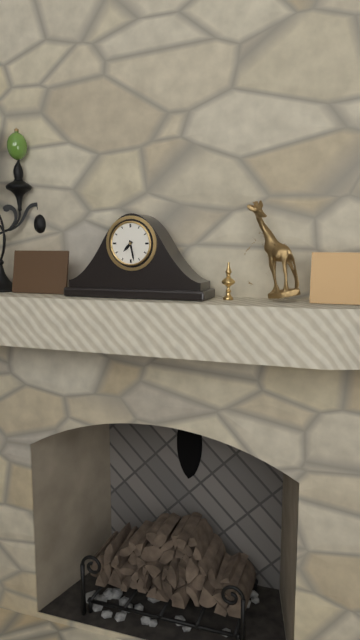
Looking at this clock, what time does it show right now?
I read 7:28
